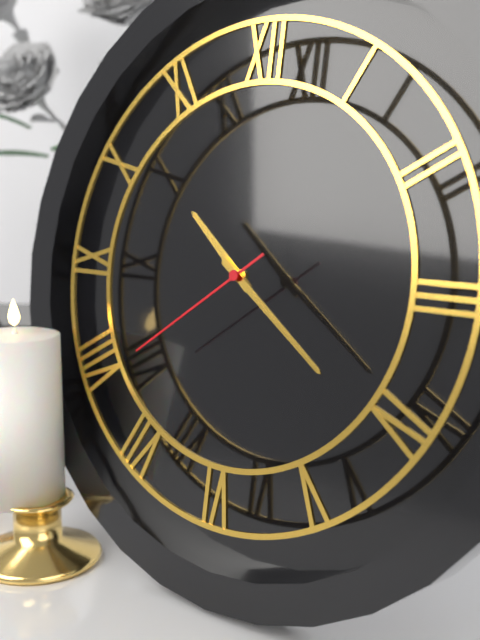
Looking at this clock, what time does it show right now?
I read 10:21:39
